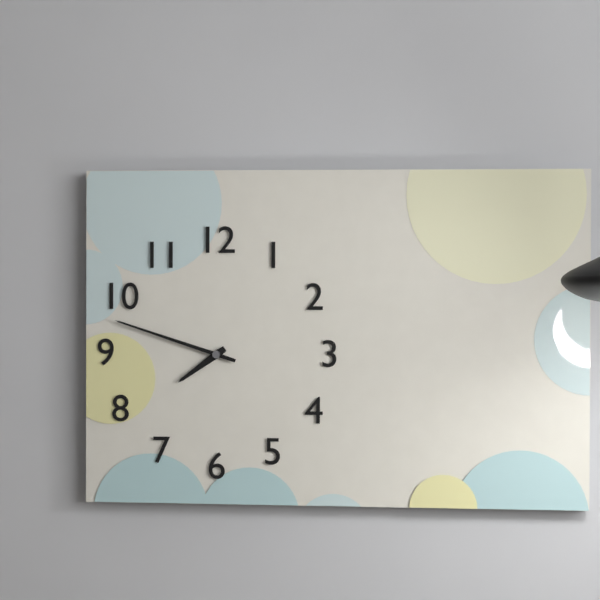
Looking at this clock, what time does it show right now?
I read 7:48
